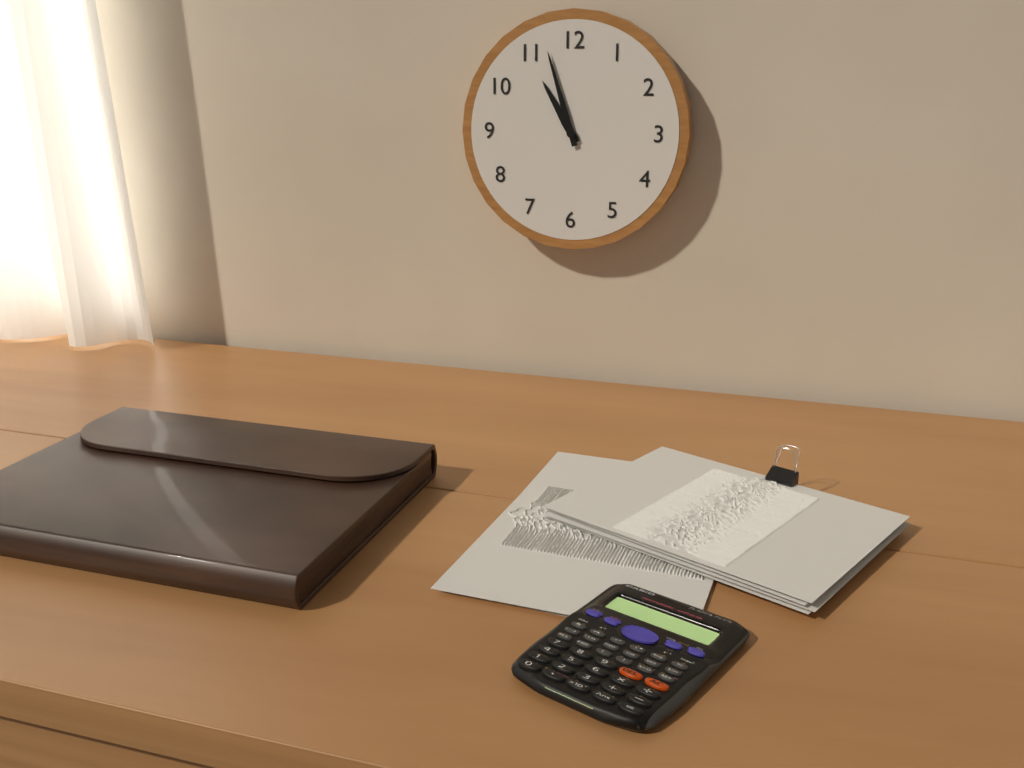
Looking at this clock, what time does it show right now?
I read 10:57
